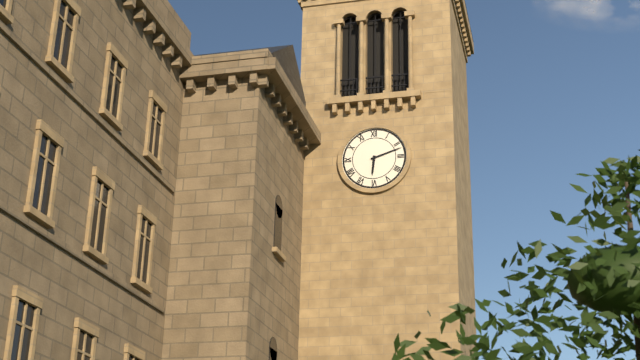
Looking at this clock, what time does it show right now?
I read 6:12
